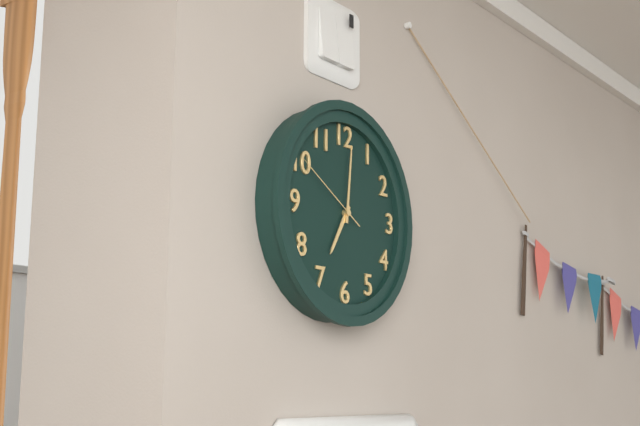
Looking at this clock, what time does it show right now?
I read 7:01:50
